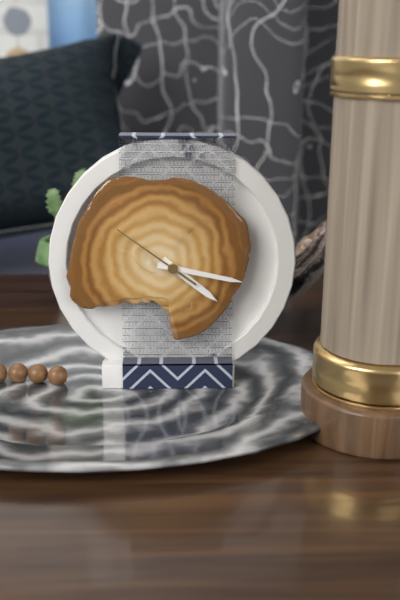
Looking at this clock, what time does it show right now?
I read 4:17:51
